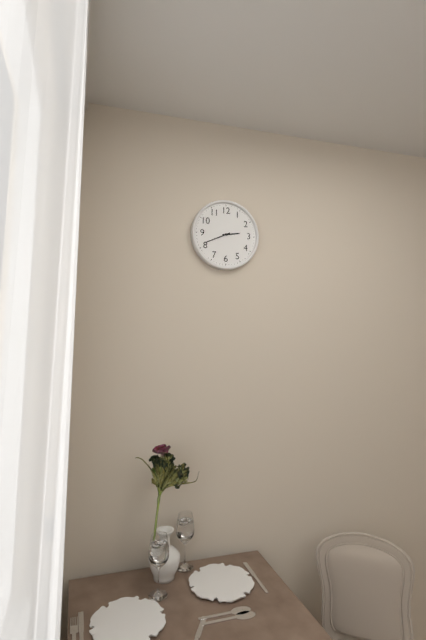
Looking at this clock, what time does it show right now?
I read 2:41
